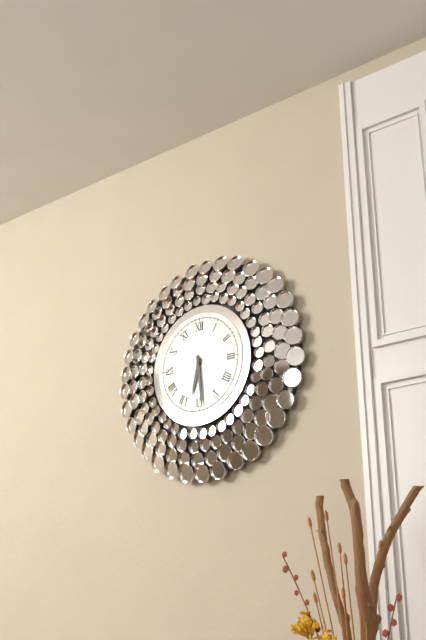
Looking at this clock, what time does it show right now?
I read 6:29
